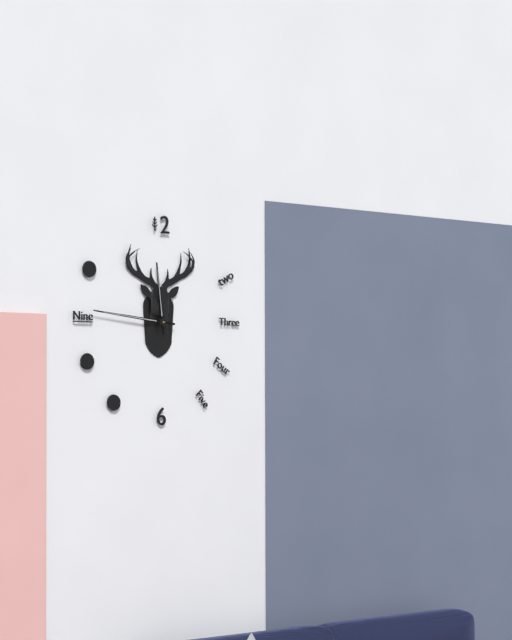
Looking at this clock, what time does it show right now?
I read 11:46
